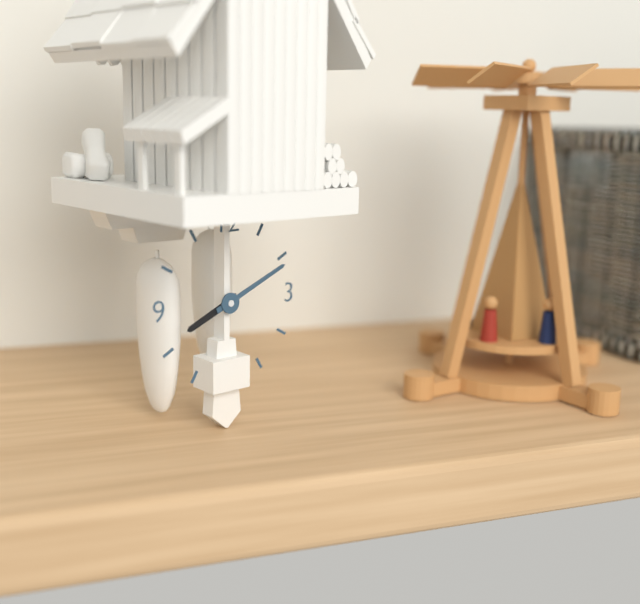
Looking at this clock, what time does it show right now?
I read 8:11
